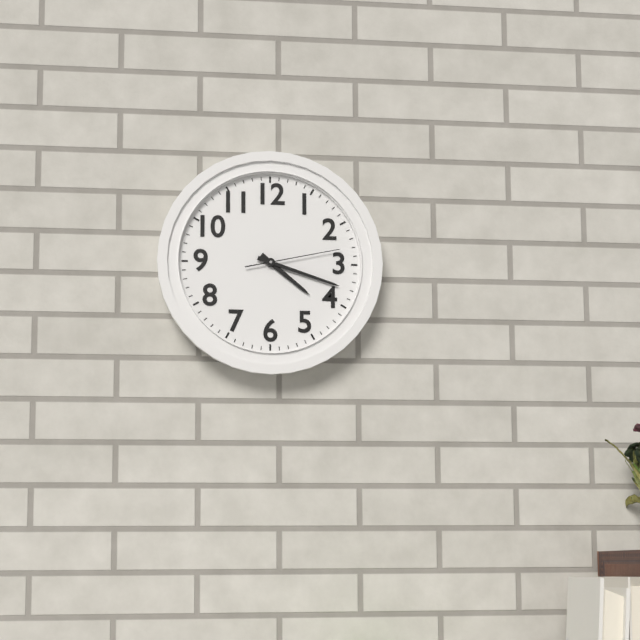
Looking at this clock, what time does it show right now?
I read 4:18:13
